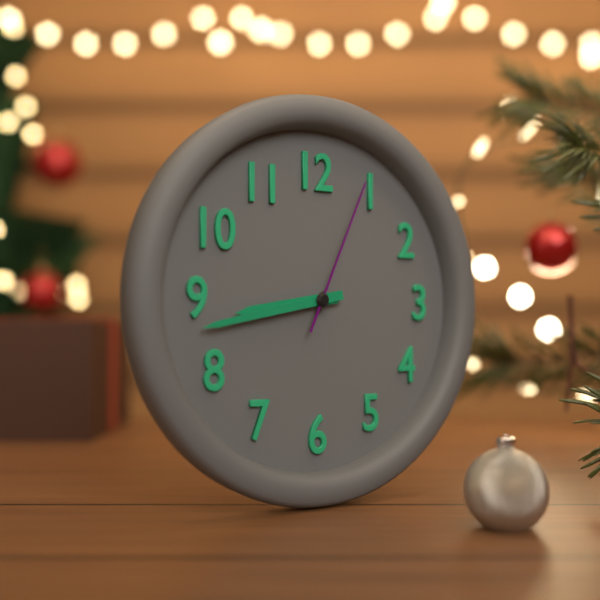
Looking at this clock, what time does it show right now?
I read 8:43:04
